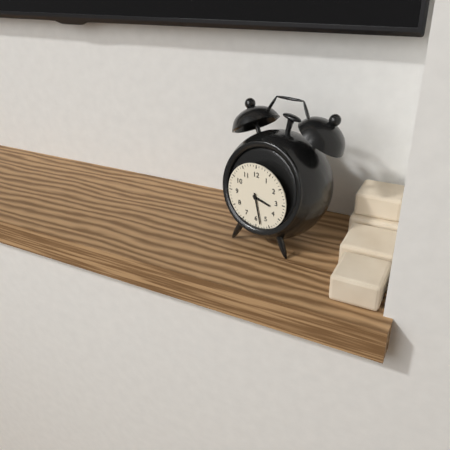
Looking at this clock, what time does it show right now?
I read 3:28
